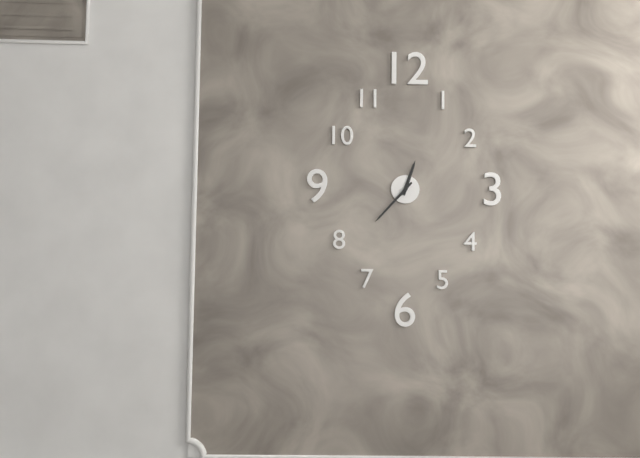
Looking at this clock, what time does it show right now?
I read 12:37
